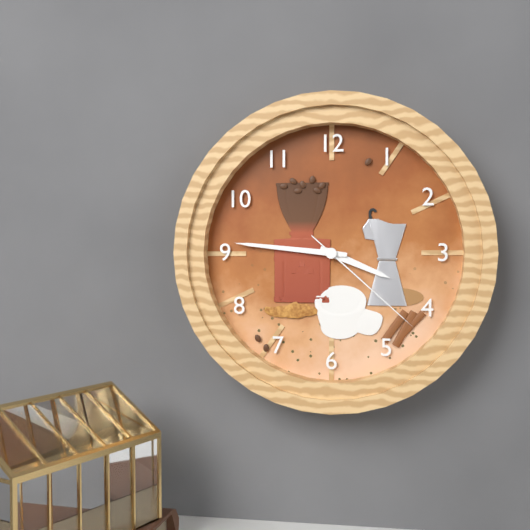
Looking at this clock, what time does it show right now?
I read 3:46:22
